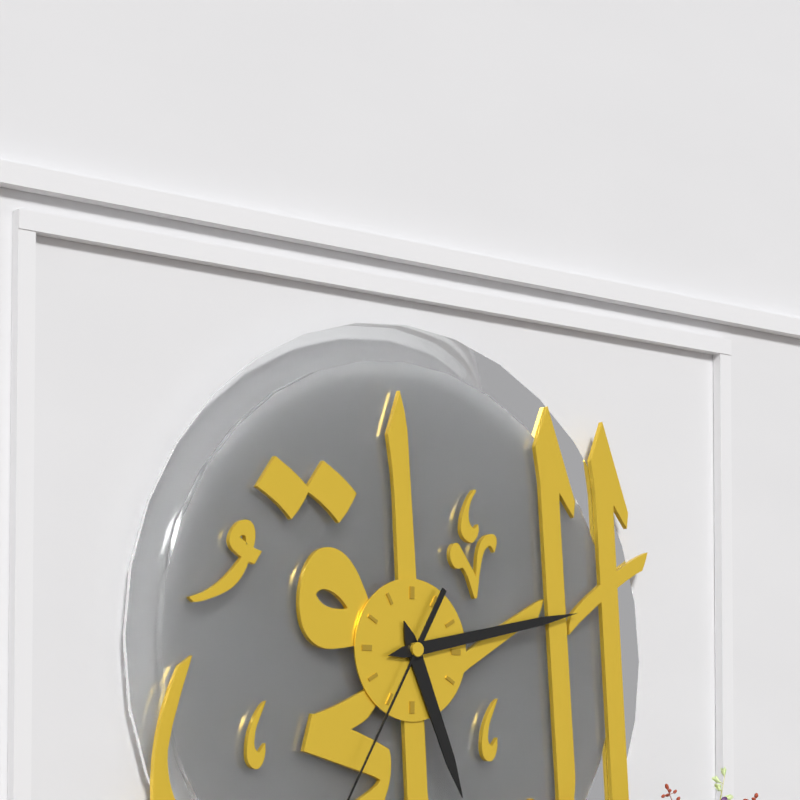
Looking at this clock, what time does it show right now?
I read 5:13
